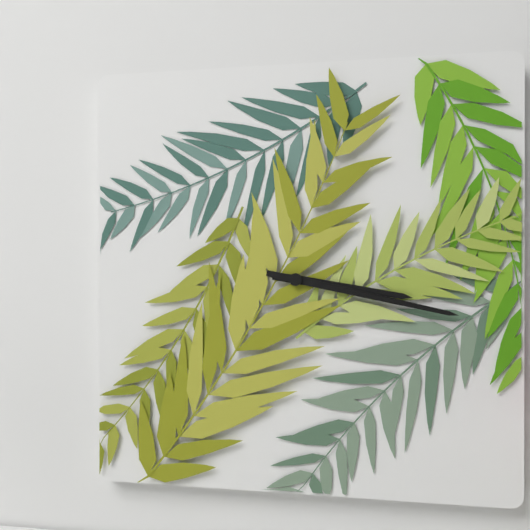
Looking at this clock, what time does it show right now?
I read 3:17
